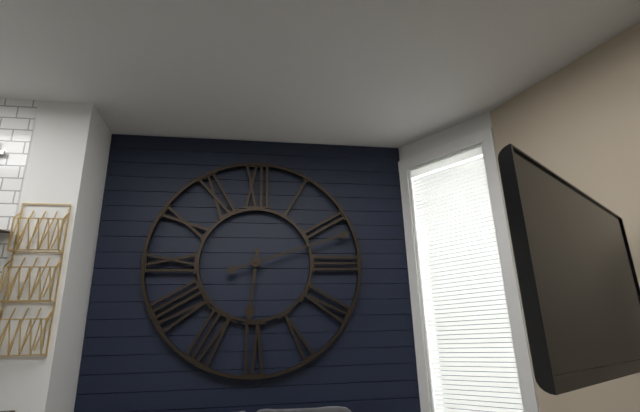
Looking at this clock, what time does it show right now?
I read 6:12
